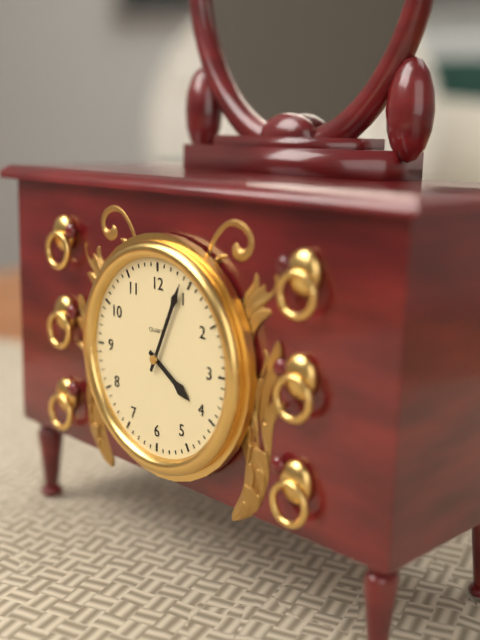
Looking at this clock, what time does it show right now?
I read 4:04
